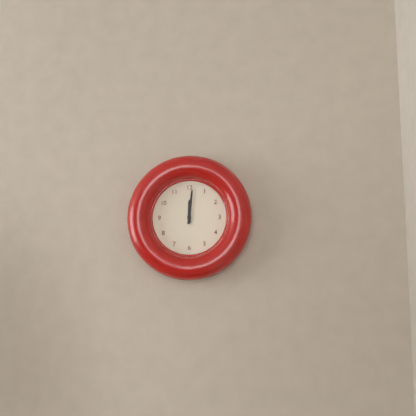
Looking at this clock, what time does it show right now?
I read 12:01
